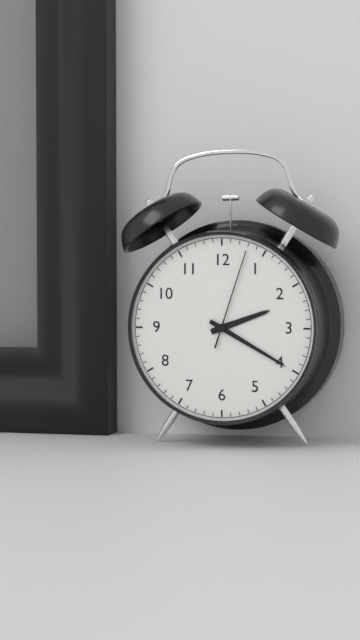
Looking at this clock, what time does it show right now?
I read 2:20:03
